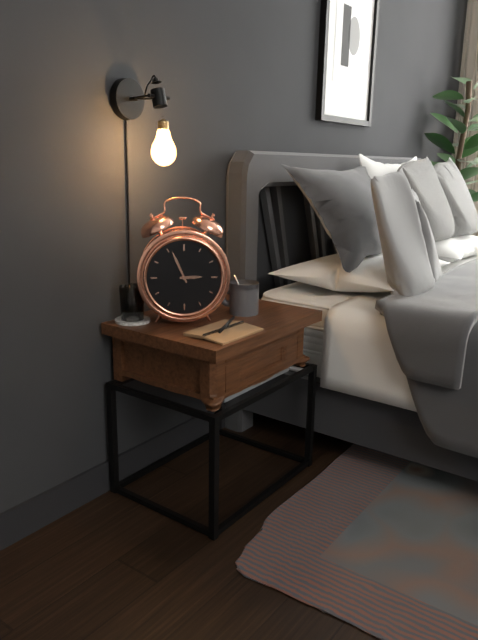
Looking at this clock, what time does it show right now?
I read 2:56
